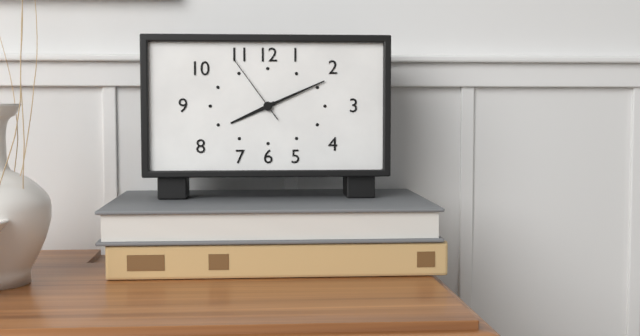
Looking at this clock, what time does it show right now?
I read 8:11:54
